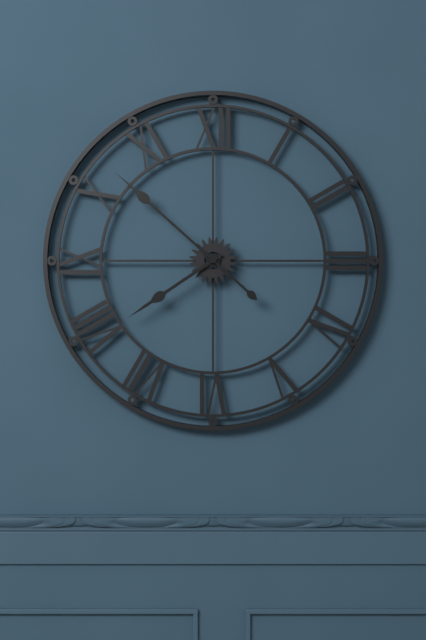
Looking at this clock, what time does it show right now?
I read 7:52
